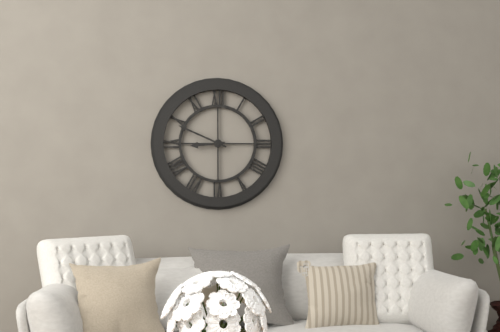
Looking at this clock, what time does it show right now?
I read 8:49
